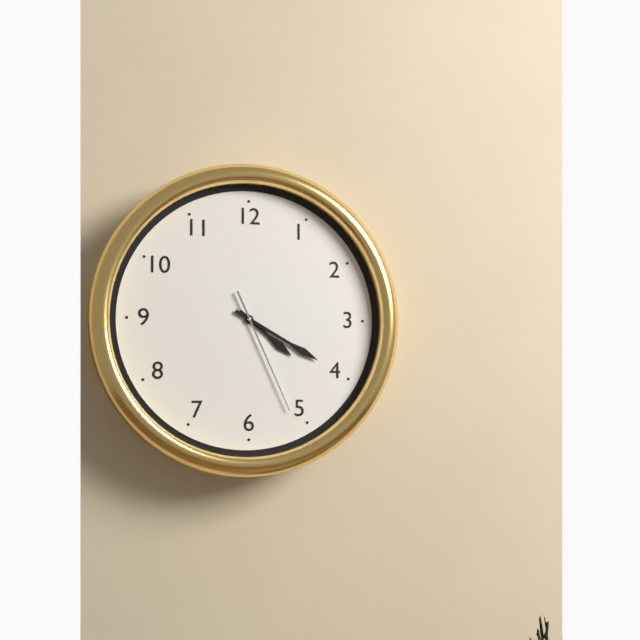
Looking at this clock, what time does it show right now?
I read 4:20:26
